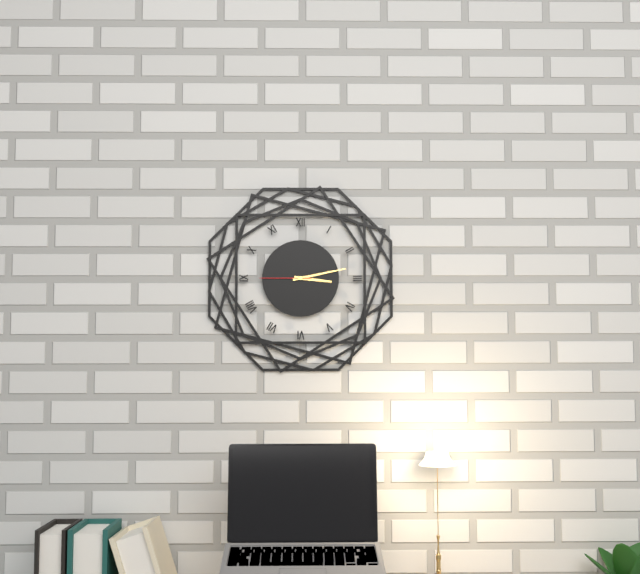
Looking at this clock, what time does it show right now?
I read 3:13:45
